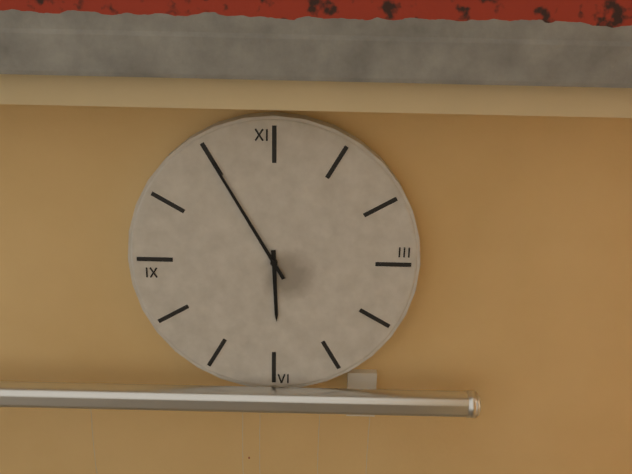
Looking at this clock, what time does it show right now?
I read 5:55
